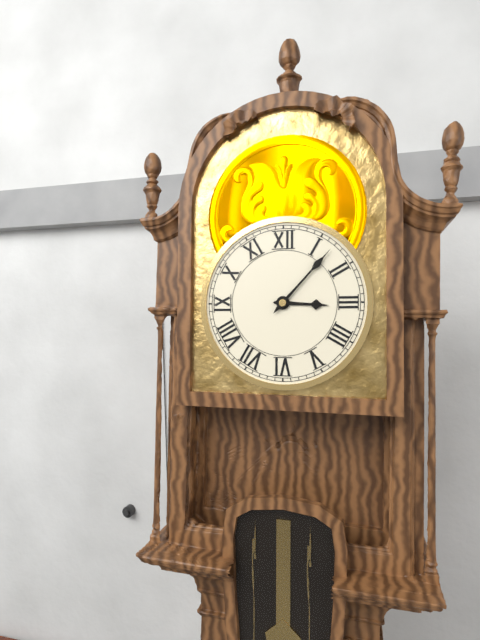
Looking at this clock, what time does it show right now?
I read 3:07
